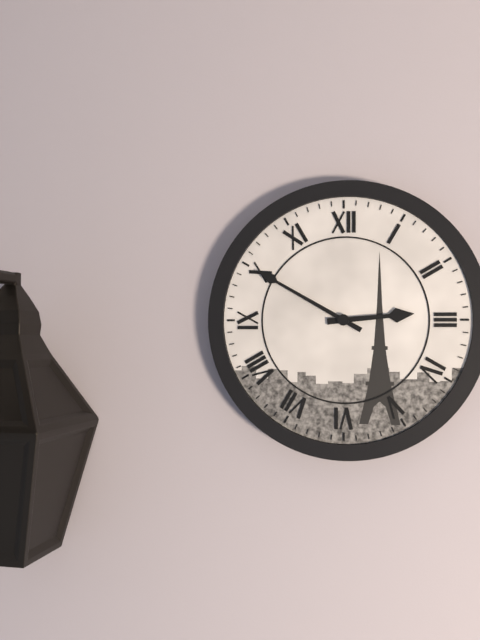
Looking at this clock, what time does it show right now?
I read 2:50
